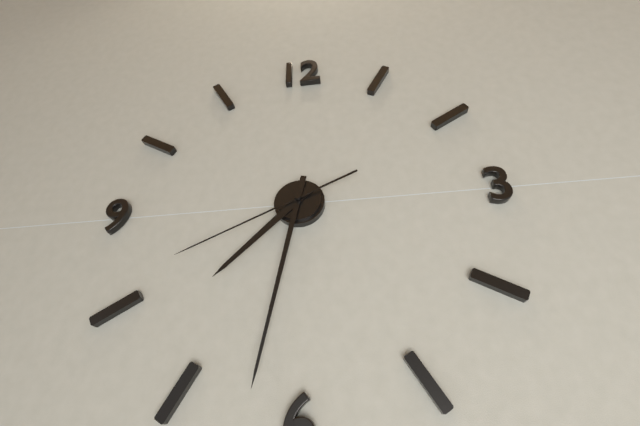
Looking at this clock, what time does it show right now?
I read 7:32:41
